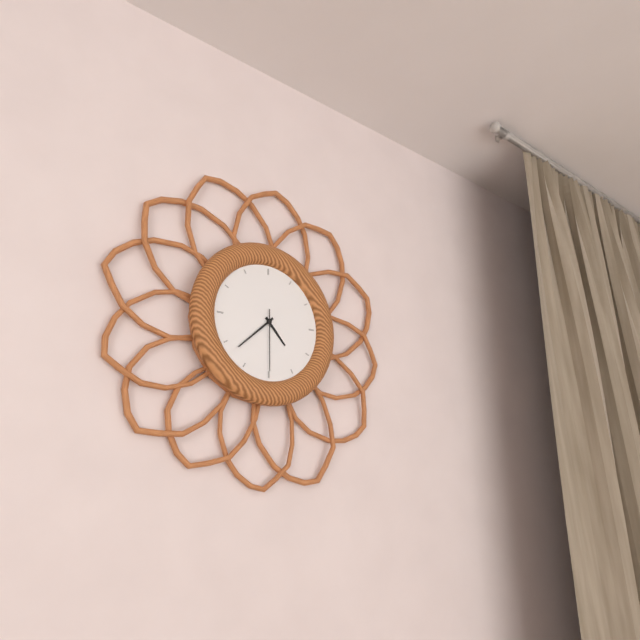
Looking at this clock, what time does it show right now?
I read 4:38:30
